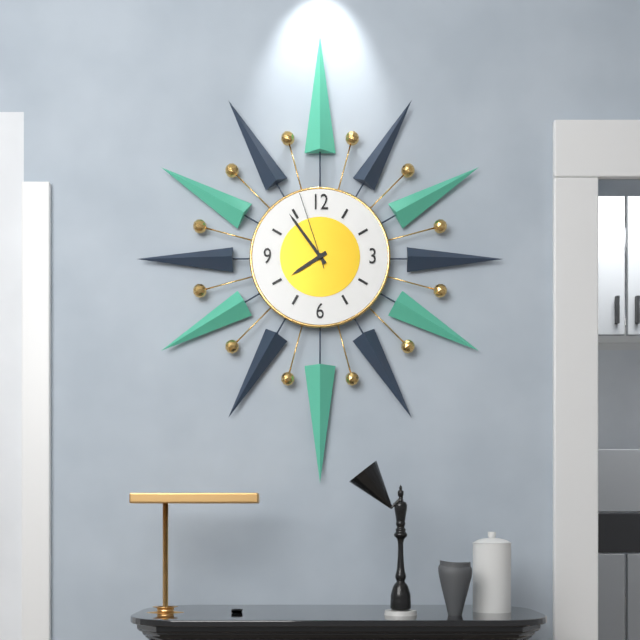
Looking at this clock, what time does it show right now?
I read 7:54:57
